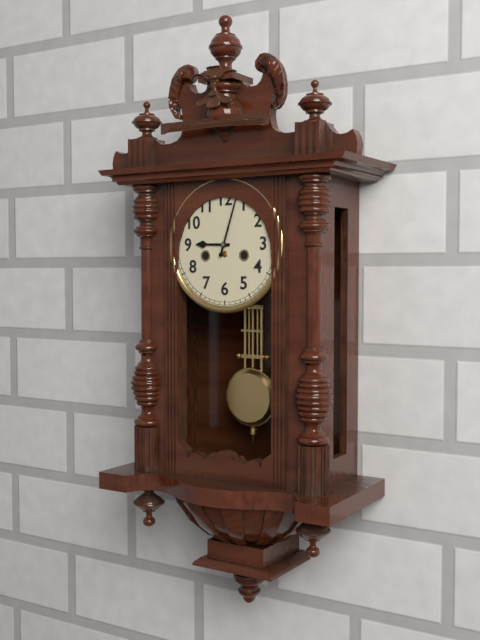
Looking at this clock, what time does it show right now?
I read 9:03
